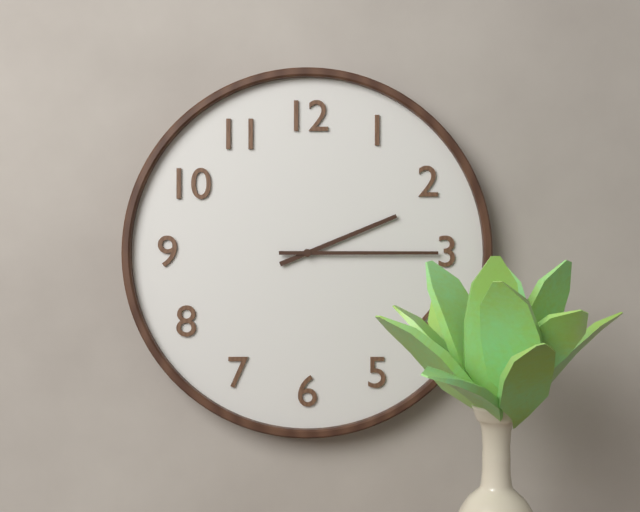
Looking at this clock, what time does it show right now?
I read 2:15
